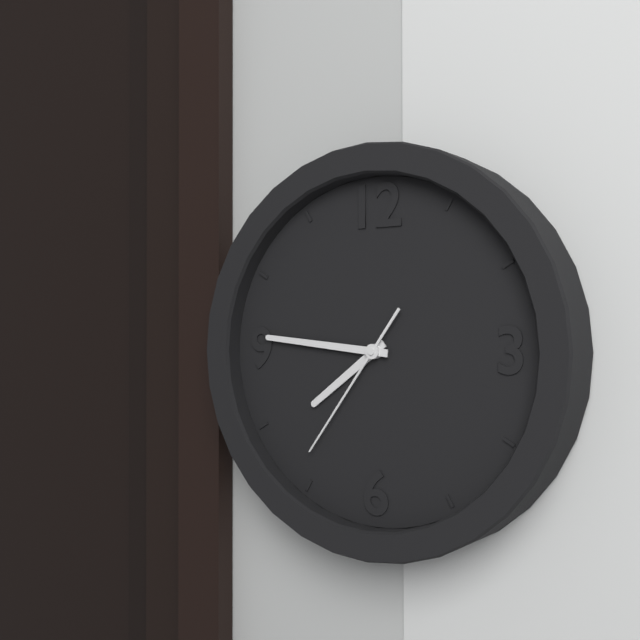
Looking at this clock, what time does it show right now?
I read 7:46:36
